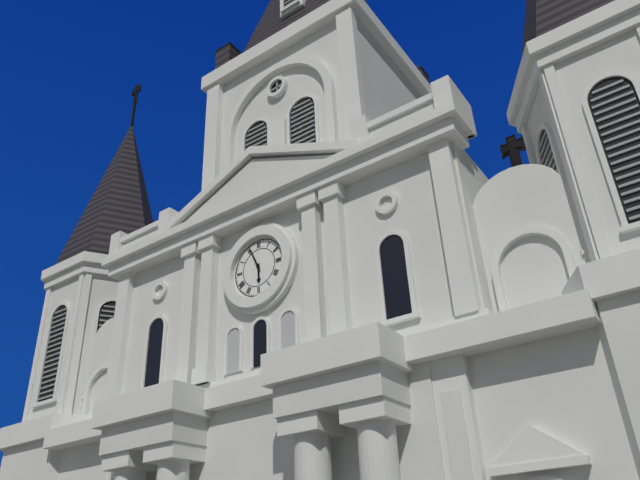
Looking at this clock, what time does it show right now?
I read 5:56
